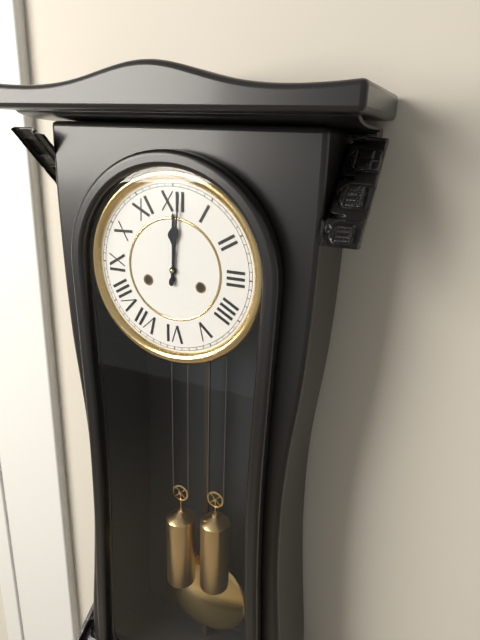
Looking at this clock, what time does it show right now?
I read 12:01
